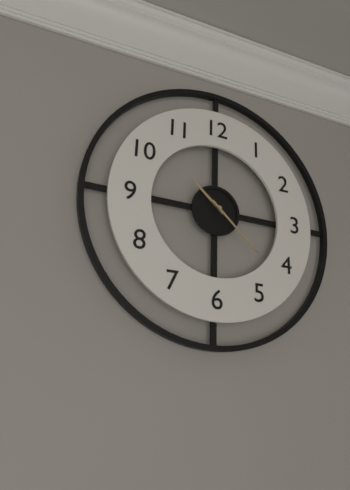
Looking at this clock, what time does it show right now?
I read 10:22
